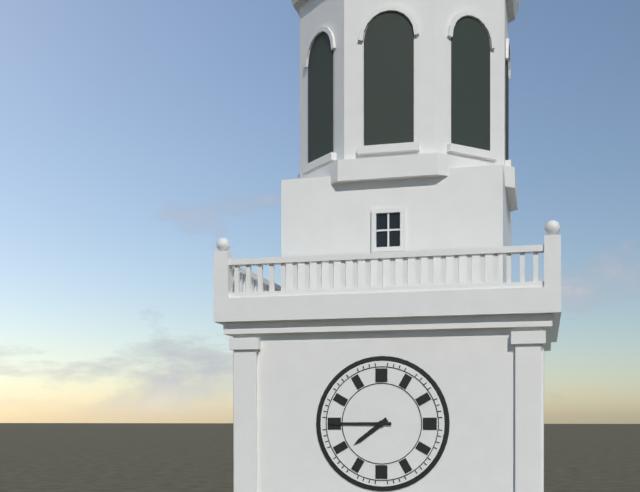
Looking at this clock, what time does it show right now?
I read 7:45
